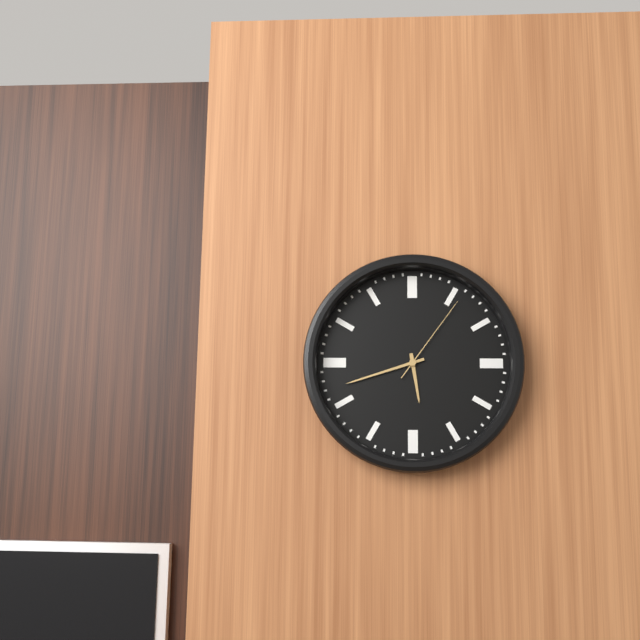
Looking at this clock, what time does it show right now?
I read 5:42:06
